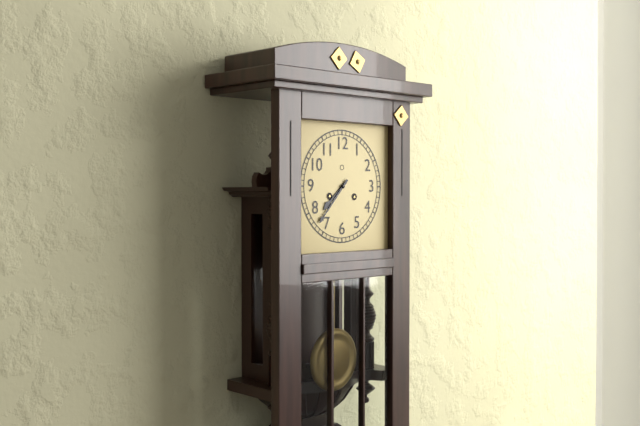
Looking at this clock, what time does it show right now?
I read 7:37
